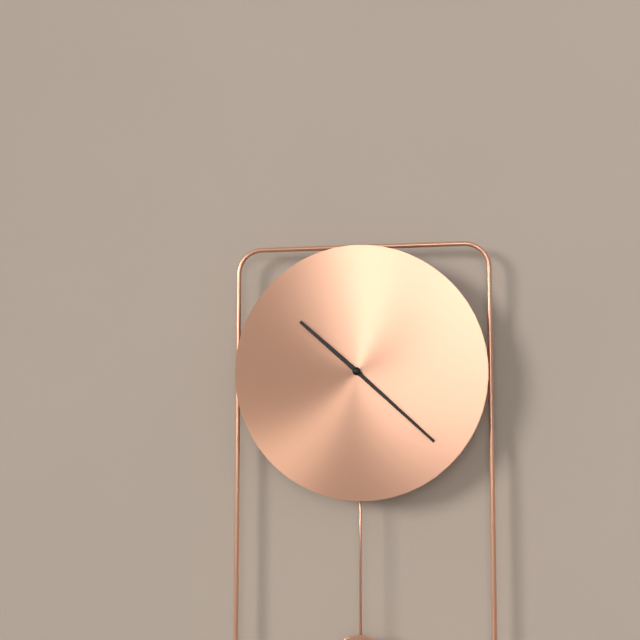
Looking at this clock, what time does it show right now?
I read 10:22
